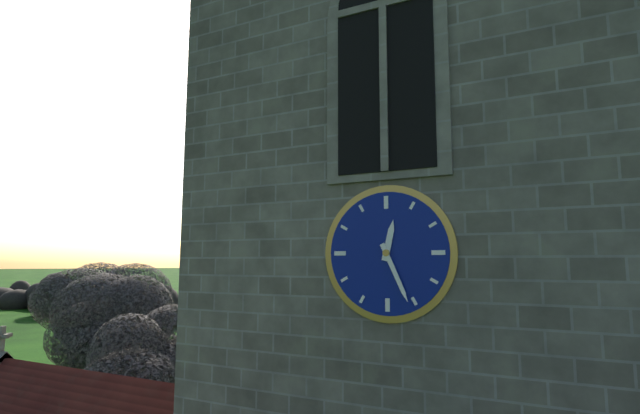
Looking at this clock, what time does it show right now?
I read 12:26
